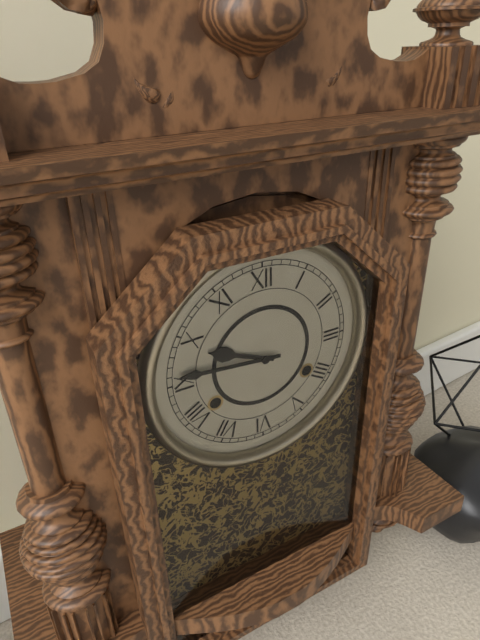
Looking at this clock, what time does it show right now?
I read 9:46
